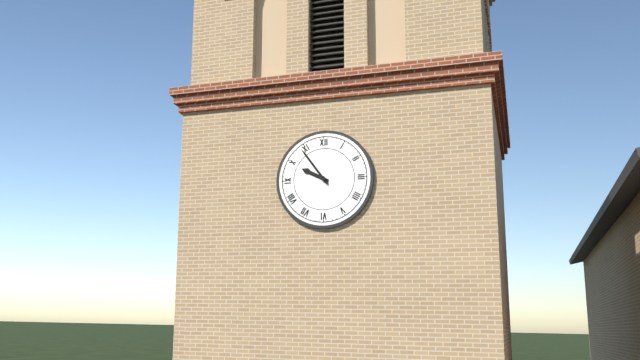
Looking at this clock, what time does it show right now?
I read 9:54
